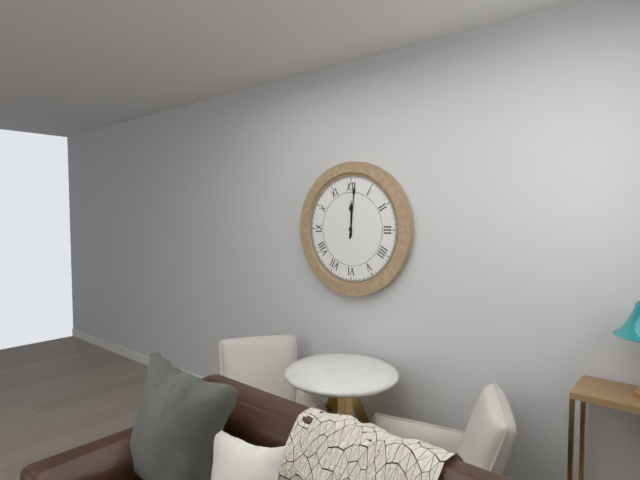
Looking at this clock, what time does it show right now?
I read 12:01
